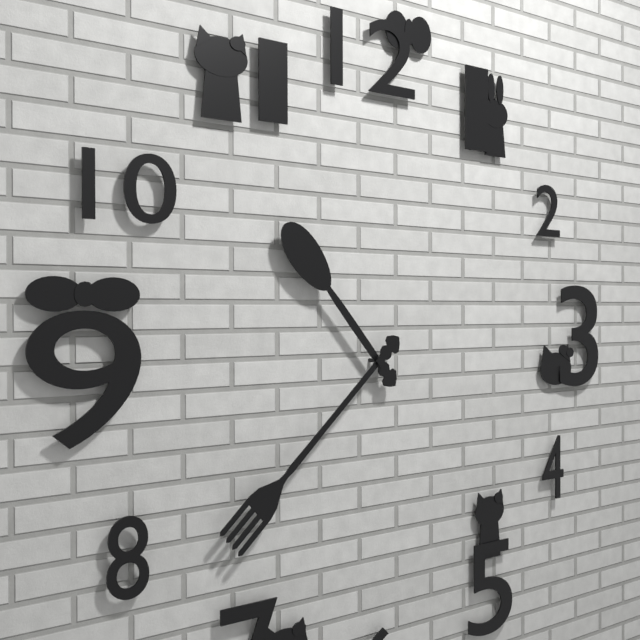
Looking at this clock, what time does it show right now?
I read 10:38
